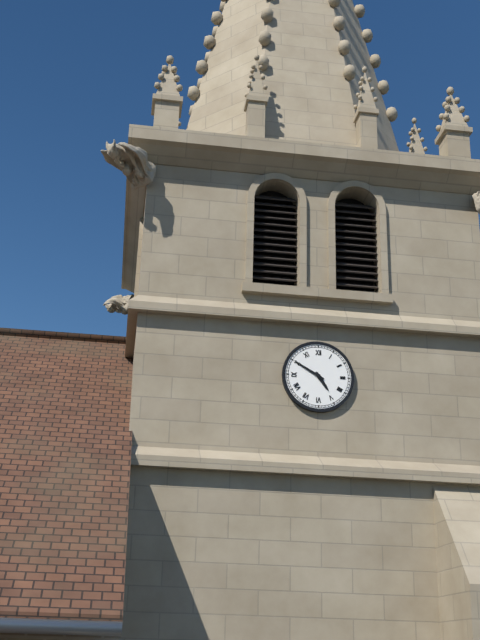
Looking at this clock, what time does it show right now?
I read 4:50
